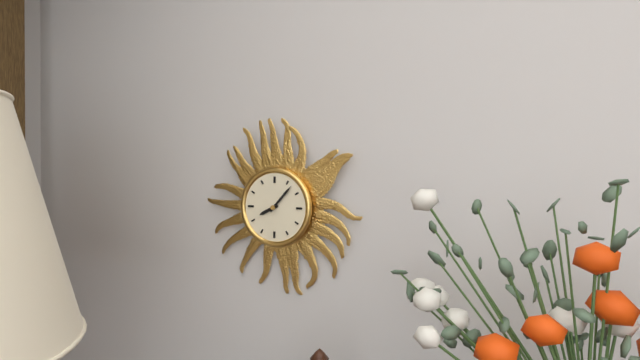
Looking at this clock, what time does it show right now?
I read 8:07
